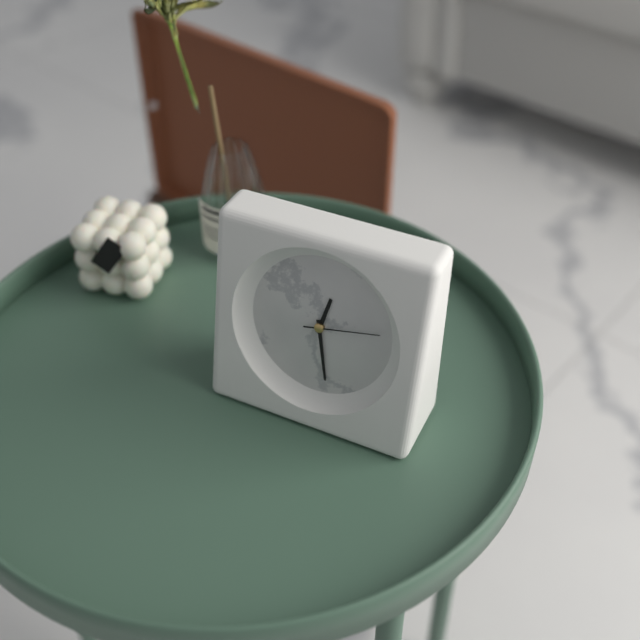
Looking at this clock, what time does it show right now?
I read 12:28:13
